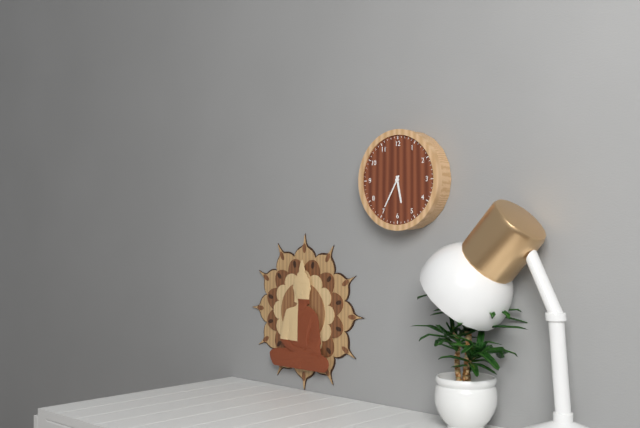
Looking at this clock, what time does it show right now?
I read 5:35
